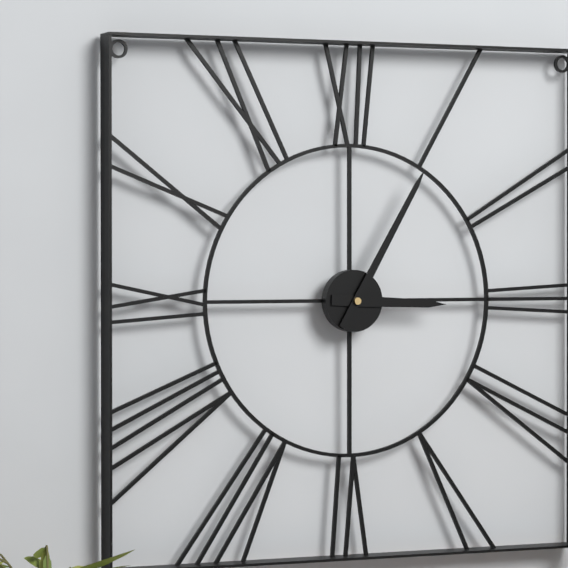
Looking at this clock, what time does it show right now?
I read 3:05
